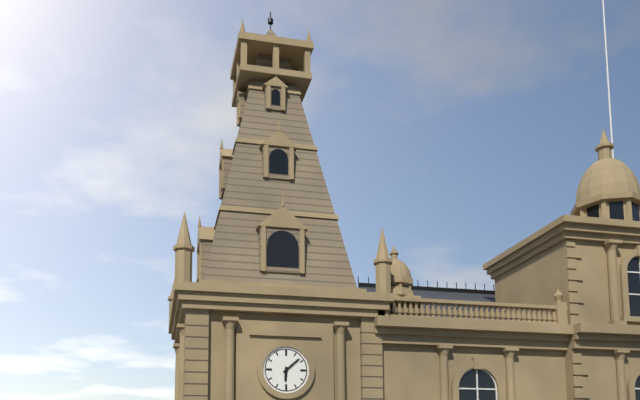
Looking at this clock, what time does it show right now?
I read 6:08
